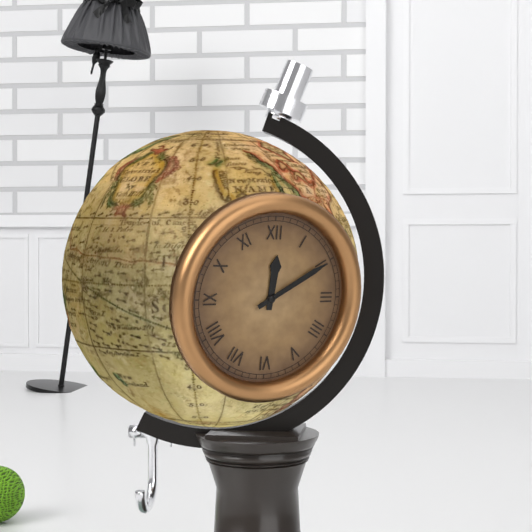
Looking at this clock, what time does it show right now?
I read 12:10
